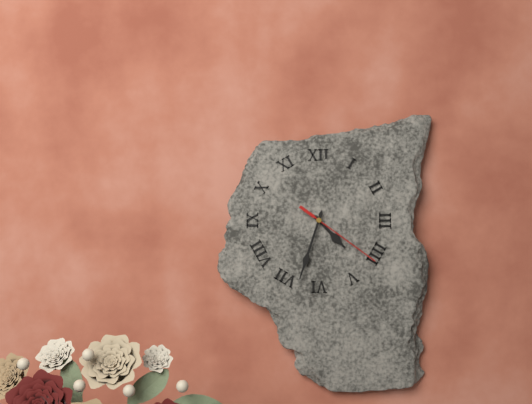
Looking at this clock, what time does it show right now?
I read 4:33:21
